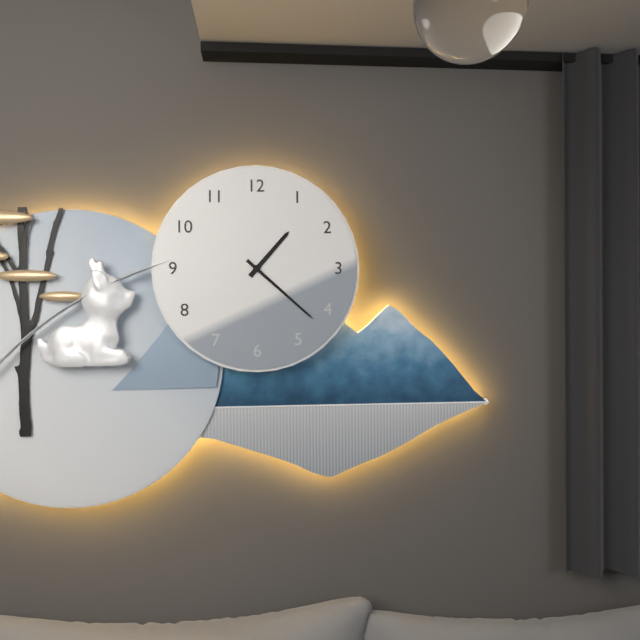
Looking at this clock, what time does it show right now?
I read 1:22
